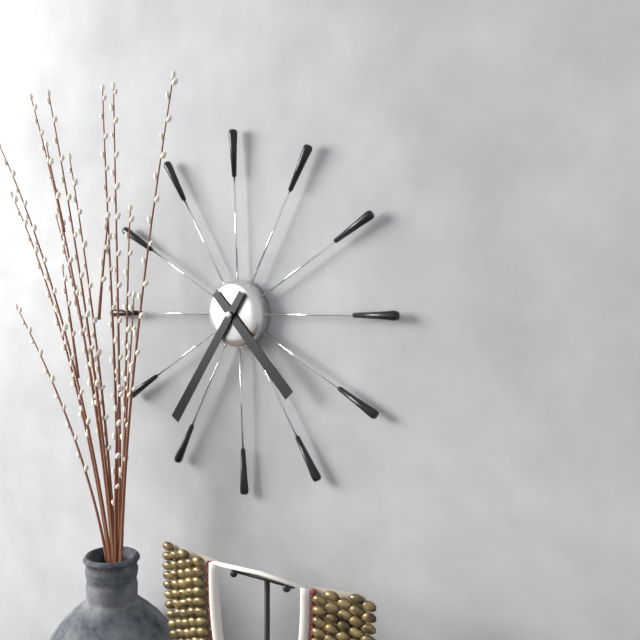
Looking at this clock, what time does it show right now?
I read 4:36
